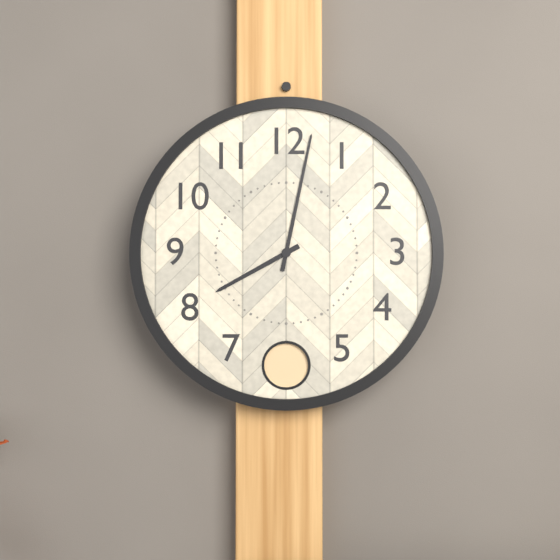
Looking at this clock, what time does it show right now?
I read 8:02
